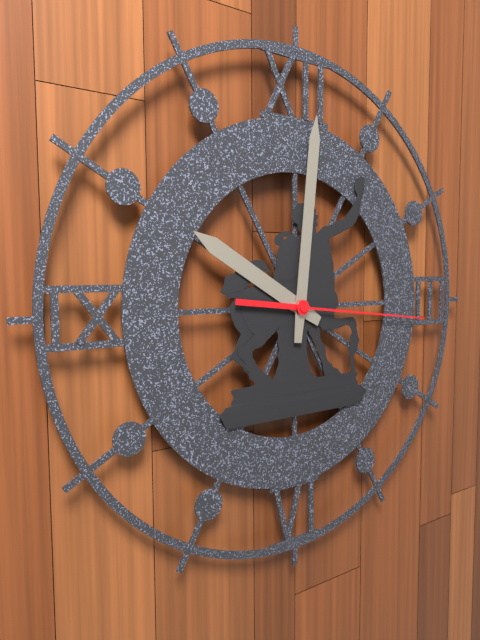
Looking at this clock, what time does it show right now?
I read 10:01:16
